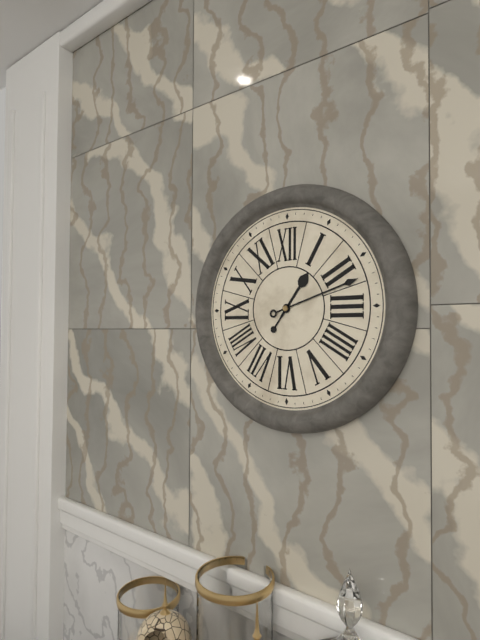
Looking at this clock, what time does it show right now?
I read 1:12
